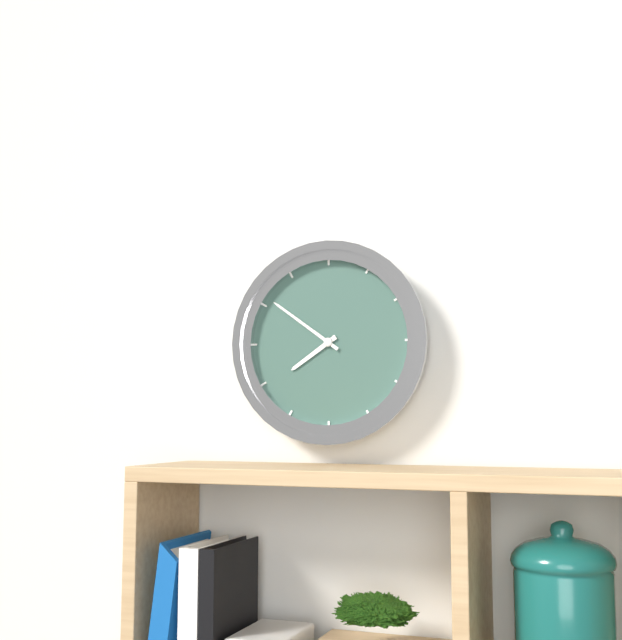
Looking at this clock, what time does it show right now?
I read 7:51
